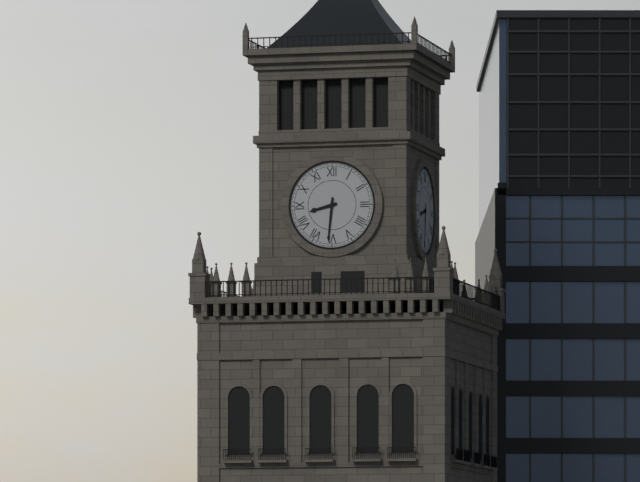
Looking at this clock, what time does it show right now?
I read 8:31
